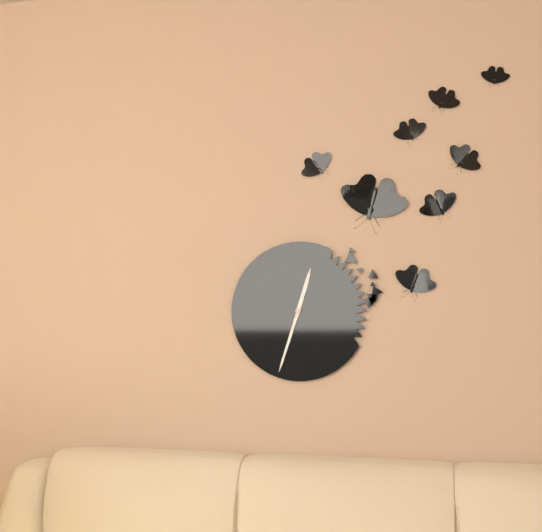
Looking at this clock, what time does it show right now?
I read 12:33
